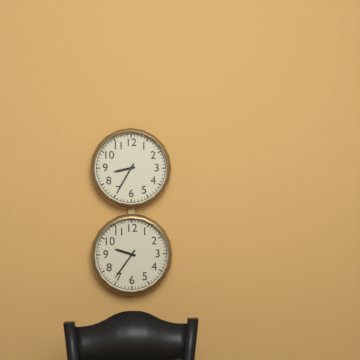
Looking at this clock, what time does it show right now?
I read 8:35
